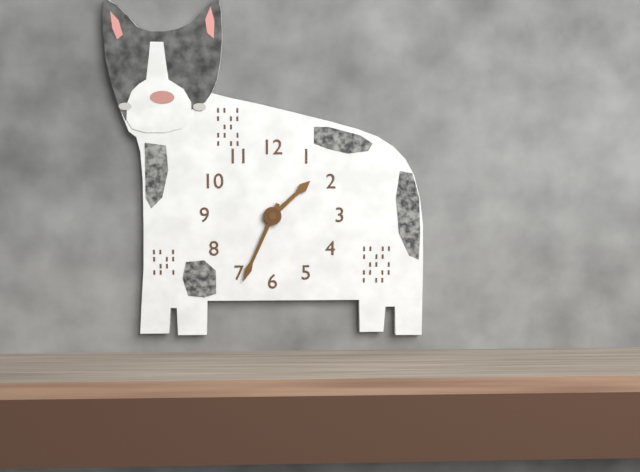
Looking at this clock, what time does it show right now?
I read 1:34
